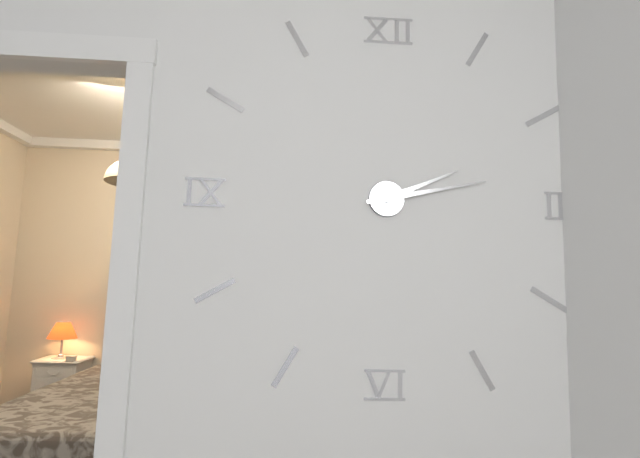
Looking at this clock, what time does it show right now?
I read 2:13
